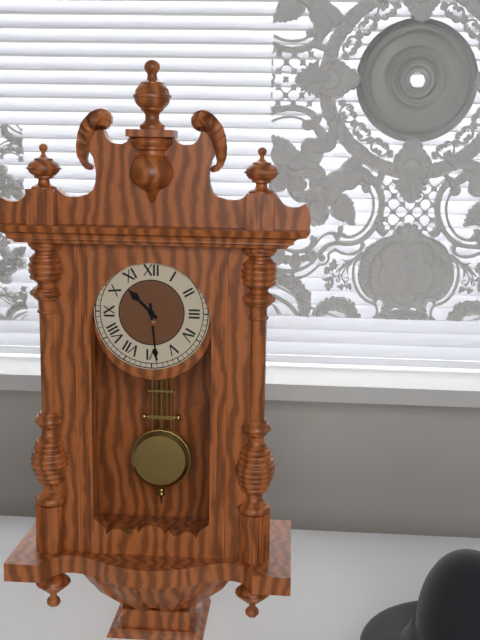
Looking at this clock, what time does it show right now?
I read 10:29
